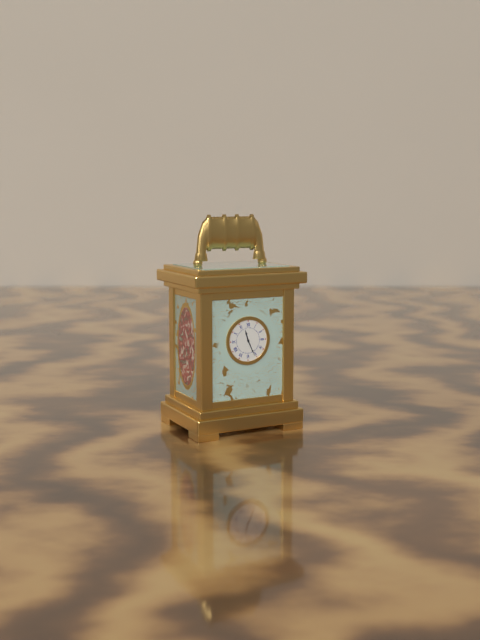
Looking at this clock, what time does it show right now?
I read 11:26
